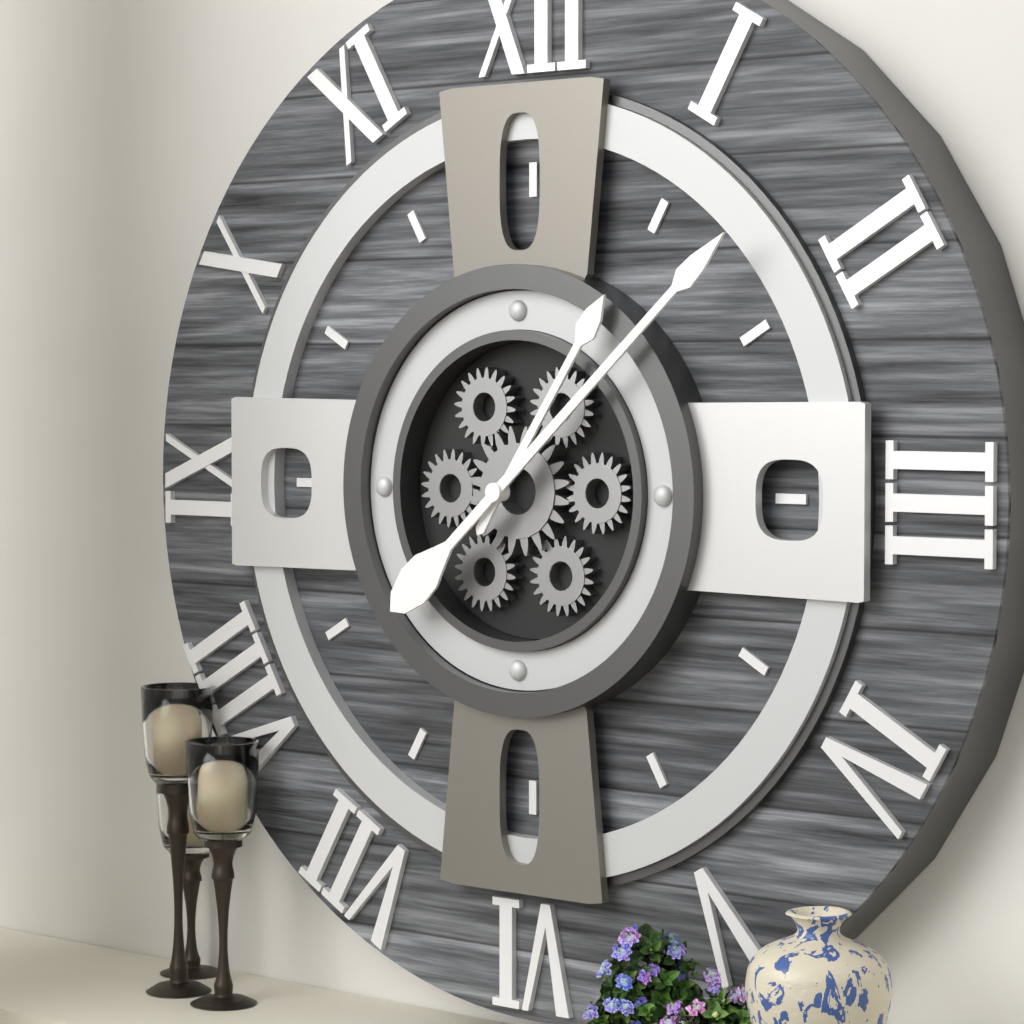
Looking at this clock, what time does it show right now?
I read 1:08
